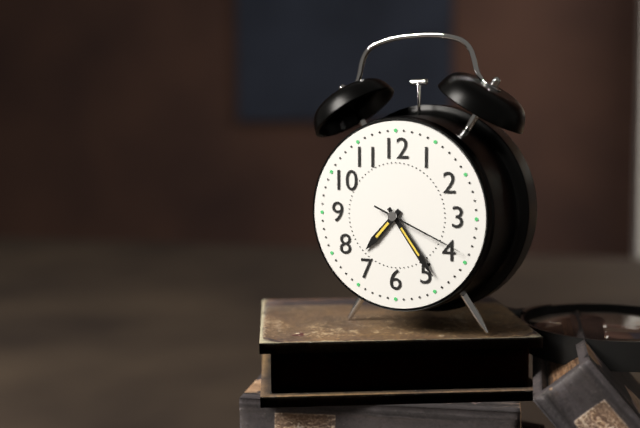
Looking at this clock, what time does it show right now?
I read 7:24:19
